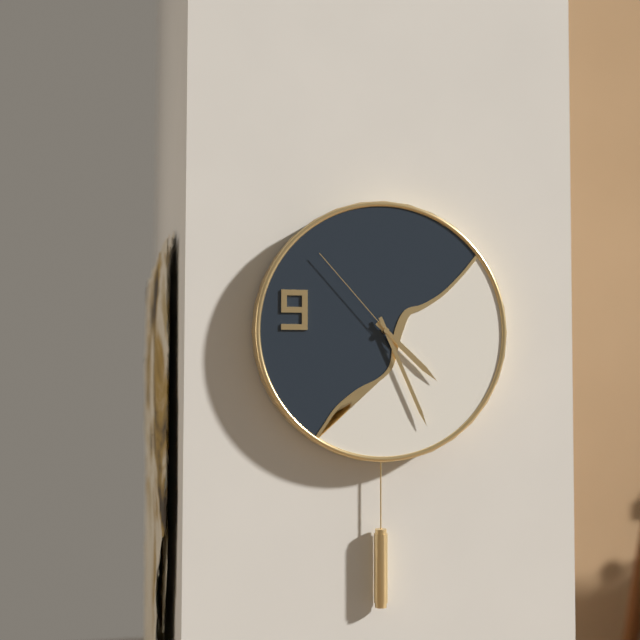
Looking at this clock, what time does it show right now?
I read 4:26:53
